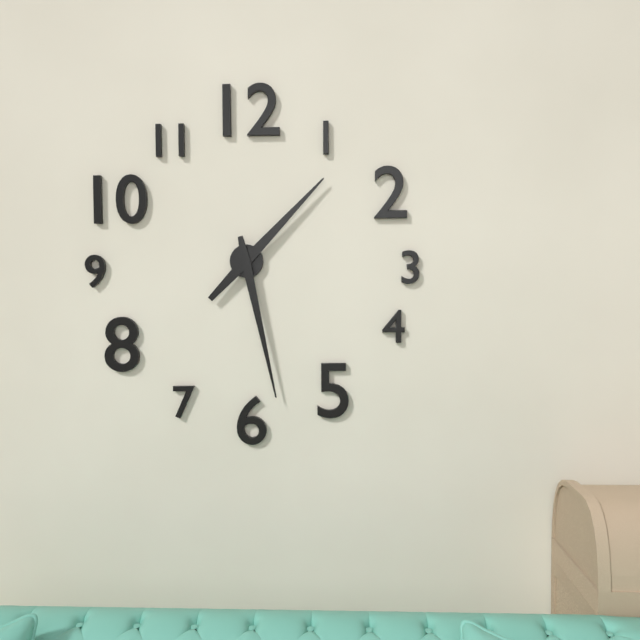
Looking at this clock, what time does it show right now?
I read 1:28
